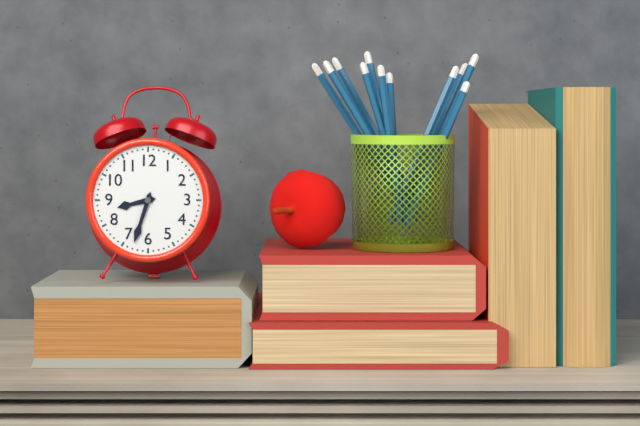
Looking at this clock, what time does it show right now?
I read 8:33
